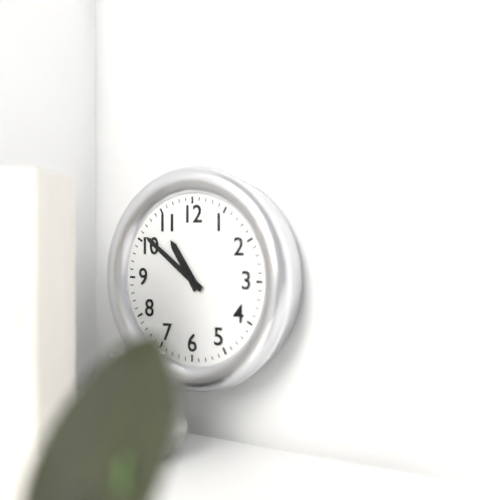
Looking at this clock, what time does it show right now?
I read 10:51
